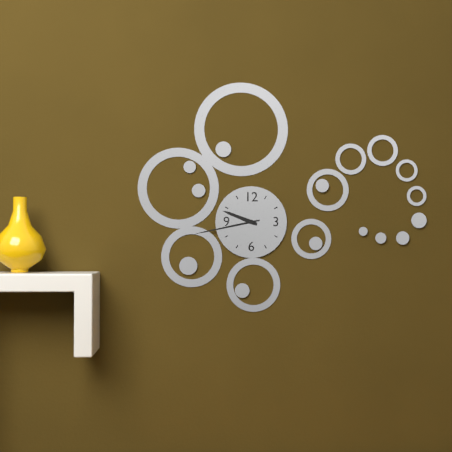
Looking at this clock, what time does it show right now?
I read 9:43
